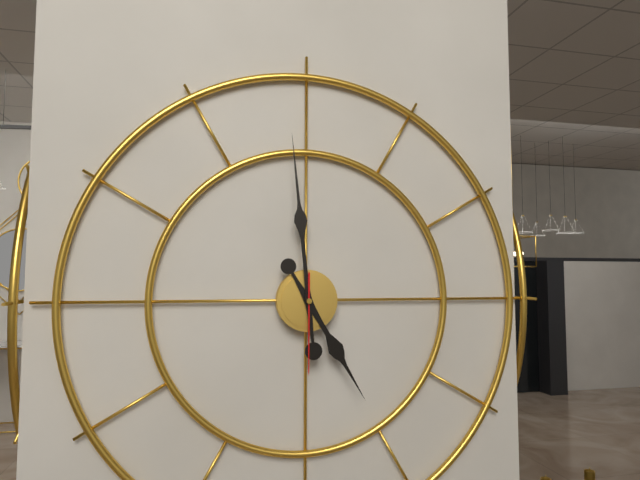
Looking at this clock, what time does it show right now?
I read 4:59:30
